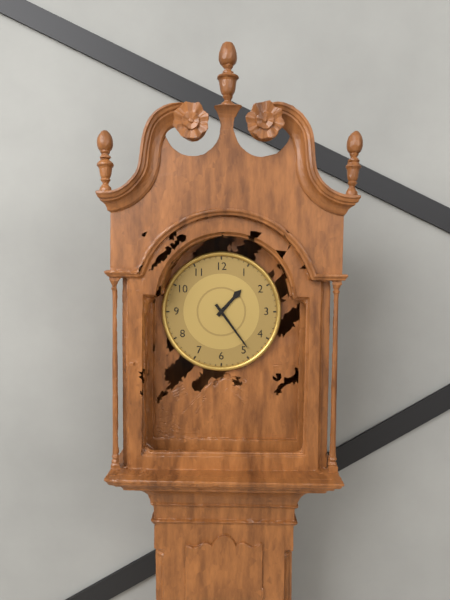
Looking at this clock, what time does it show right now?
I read 1:24
